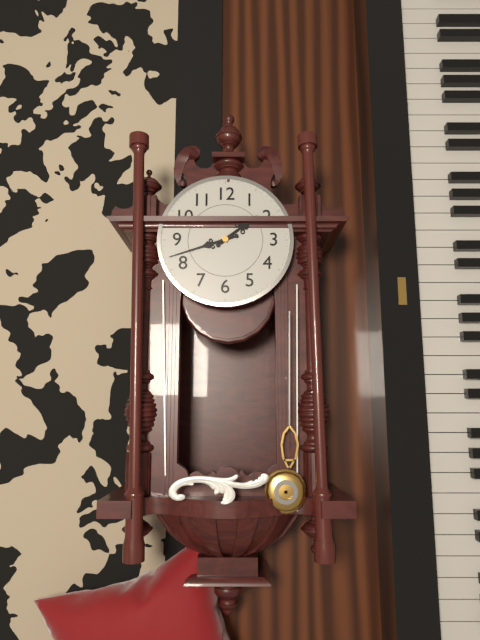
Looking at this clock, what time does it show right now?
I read 1:42
